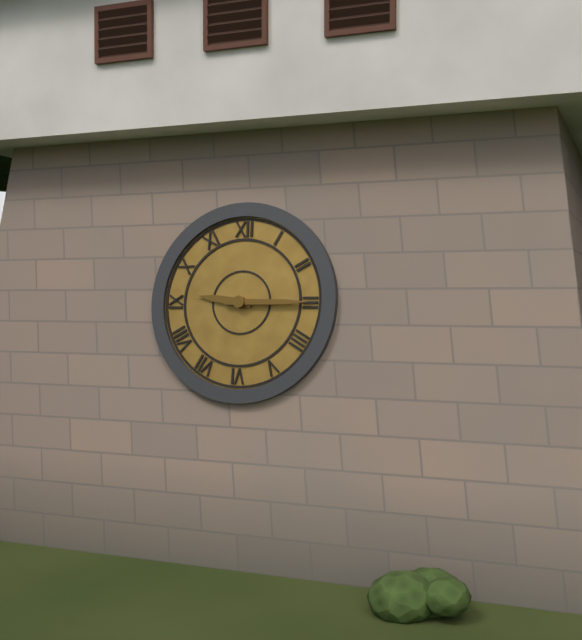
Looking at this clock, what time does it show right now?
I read 9:15
